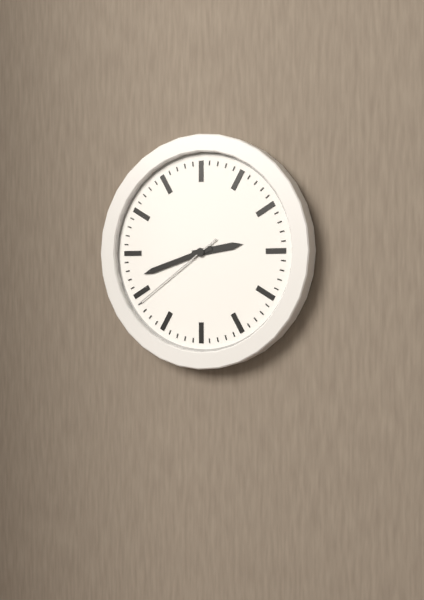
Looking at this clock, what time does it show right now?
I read 2:42:39
